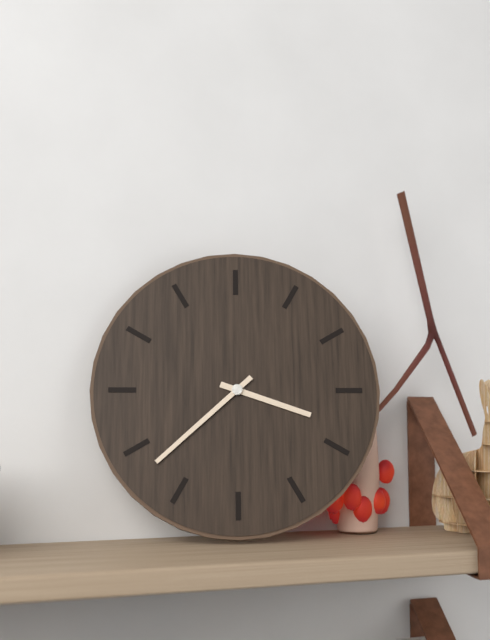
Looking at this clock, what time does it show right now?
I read 3:38
